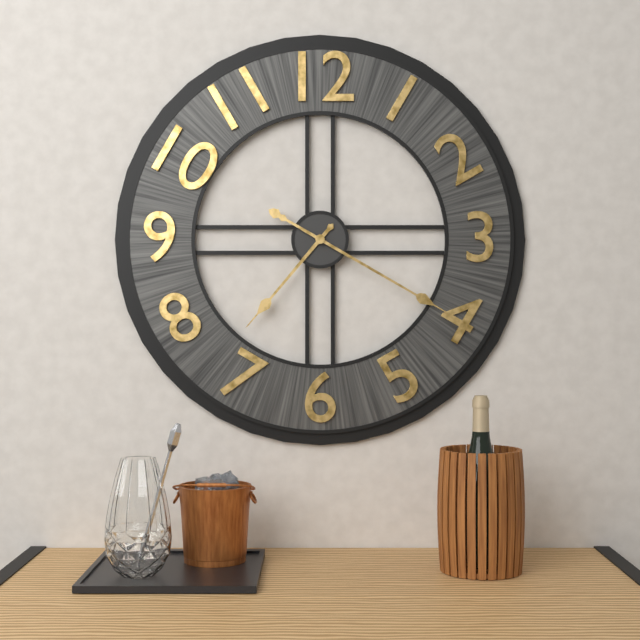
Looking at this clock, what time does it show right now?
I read 7:20
